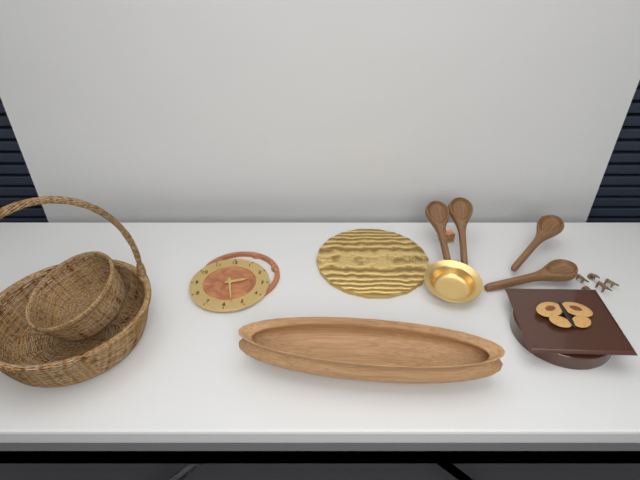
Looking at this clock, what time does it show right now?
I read 2:28
